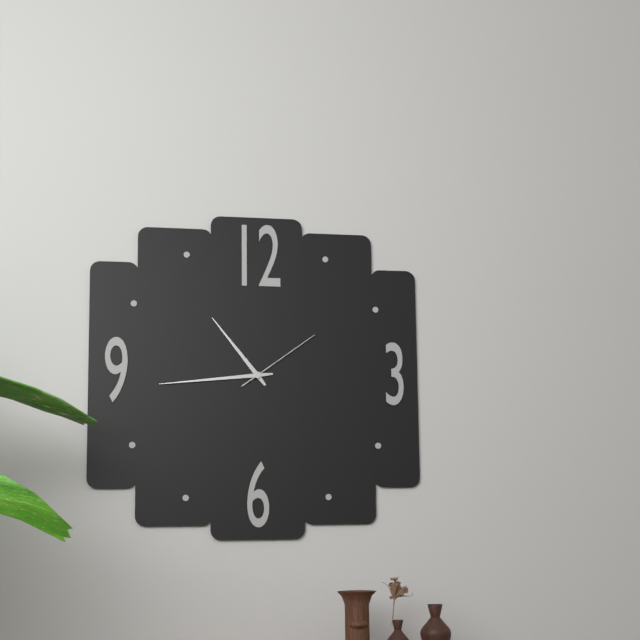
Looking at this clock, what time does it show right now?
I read 10:44:09
